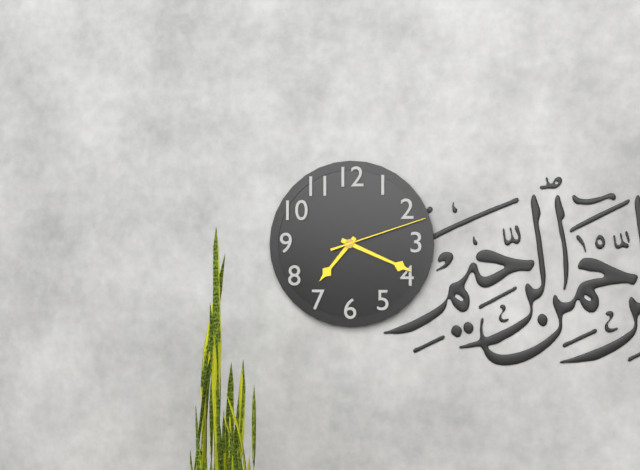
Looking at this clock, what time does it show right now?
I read 7:19:12
